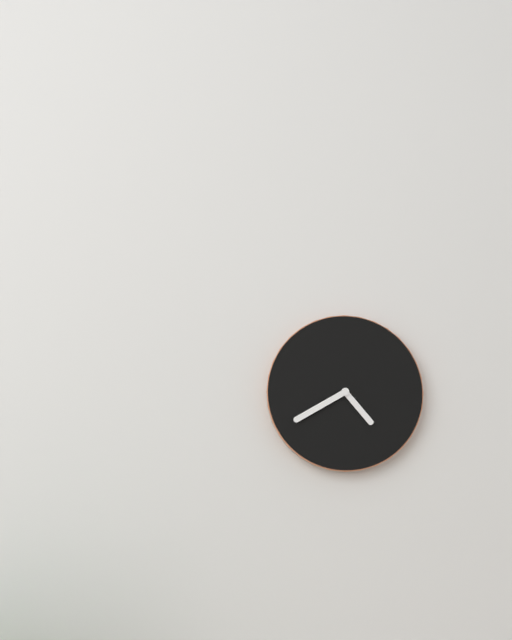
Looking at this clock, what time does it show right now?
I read 4:40
